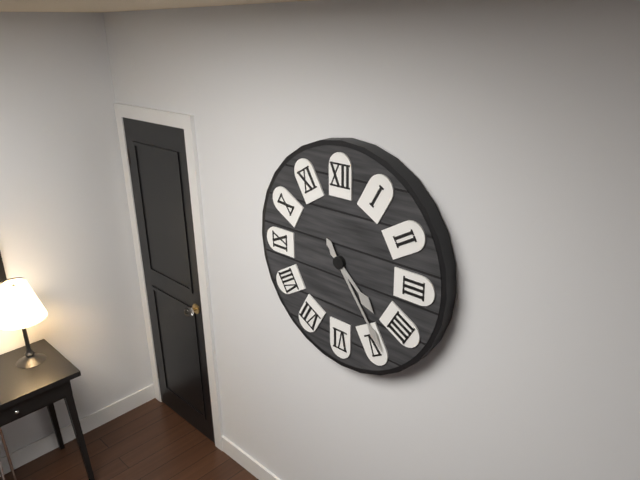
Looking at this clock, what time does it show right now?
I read 4:24
